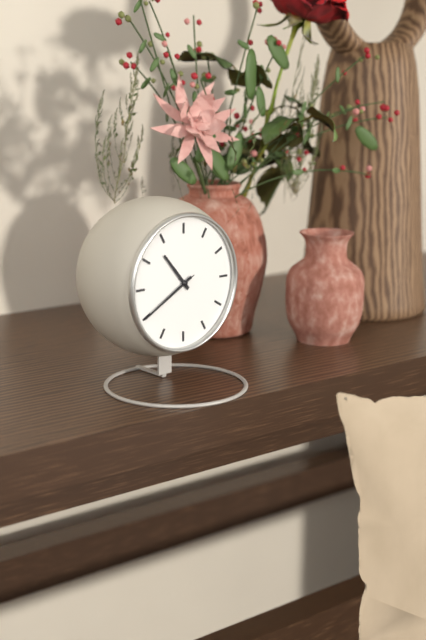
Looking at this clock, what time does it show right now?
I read 10:40:40
